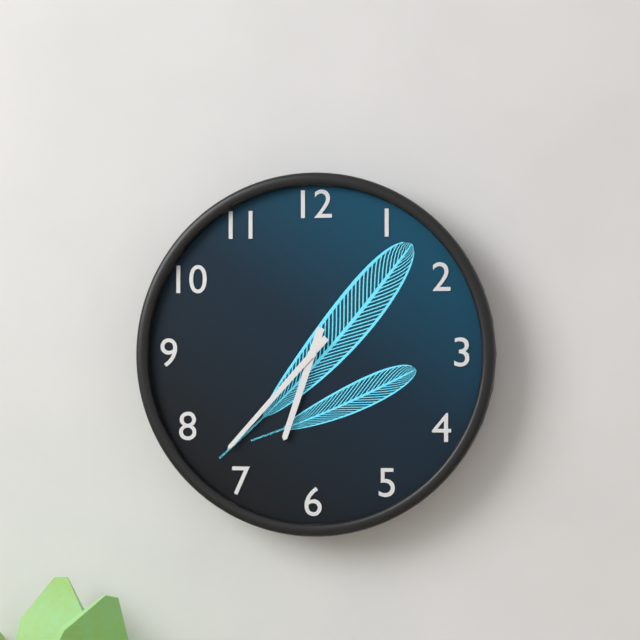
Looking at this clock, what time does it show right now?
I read 6:37
